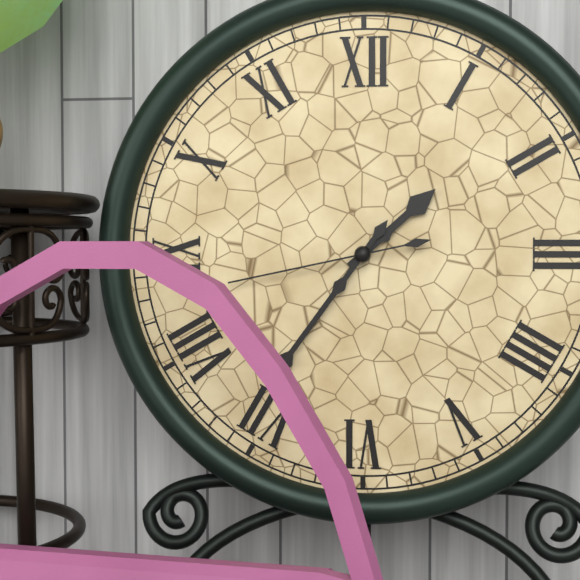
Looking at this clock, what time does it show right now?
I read 1:36:43
